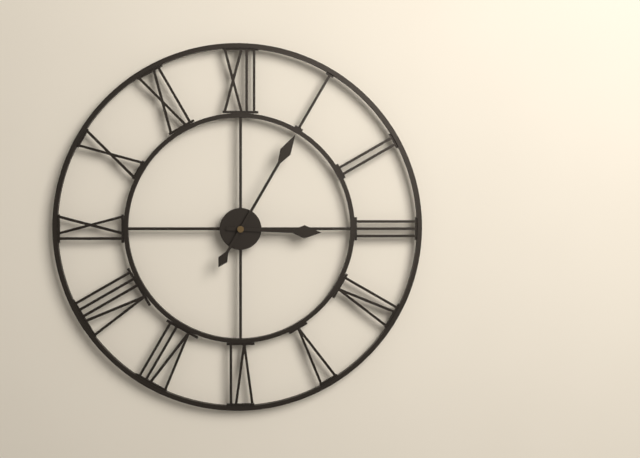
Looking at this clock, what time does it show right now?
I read 3:05
